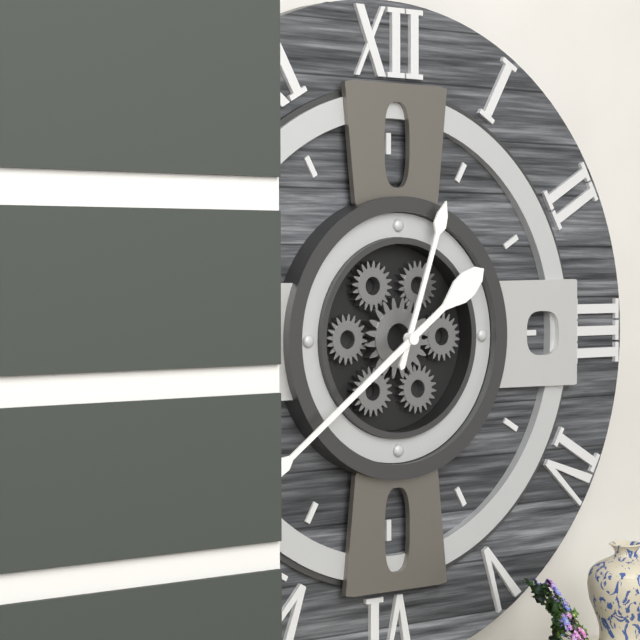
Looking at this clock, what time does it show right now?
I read 12:39
